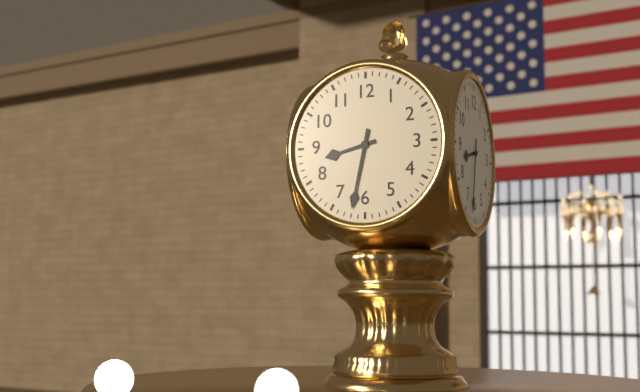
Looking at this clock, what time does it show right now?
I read 8:32
